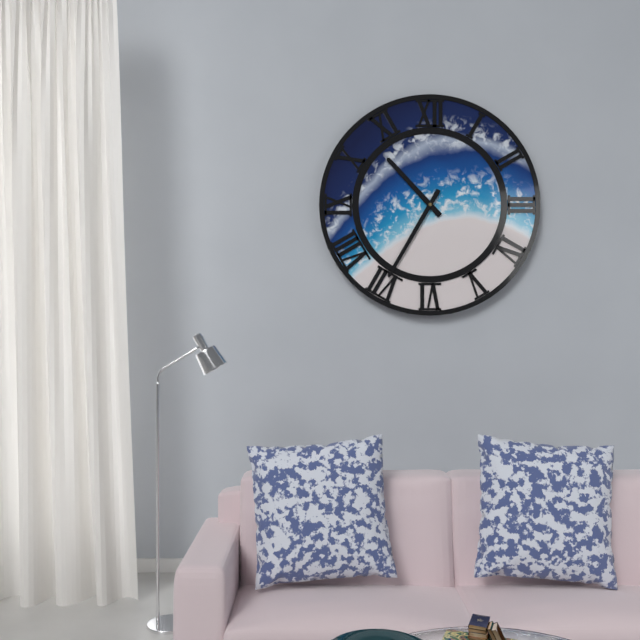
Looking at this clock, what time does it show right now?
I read 10:35
